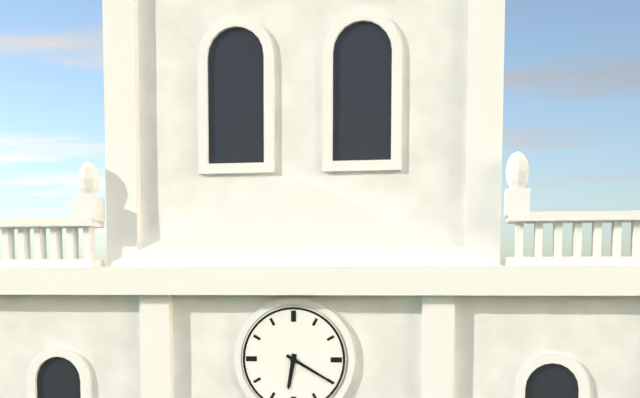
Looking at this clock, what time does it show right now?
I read 6:20
